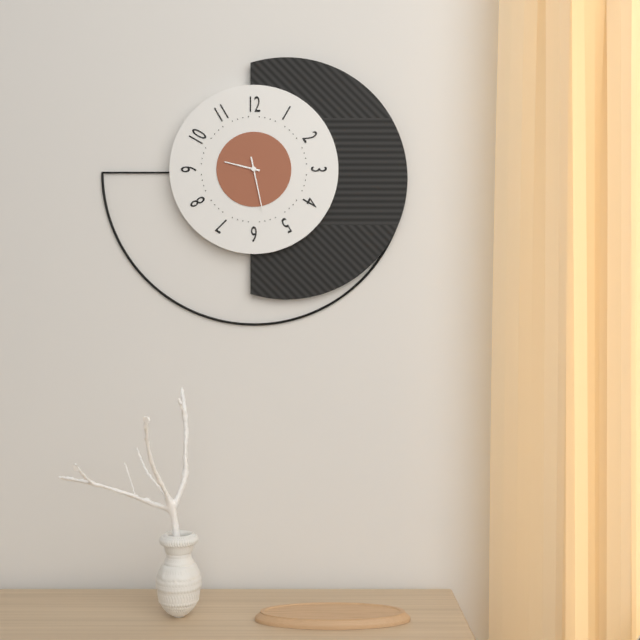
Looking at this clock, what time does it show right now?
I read 9:28
